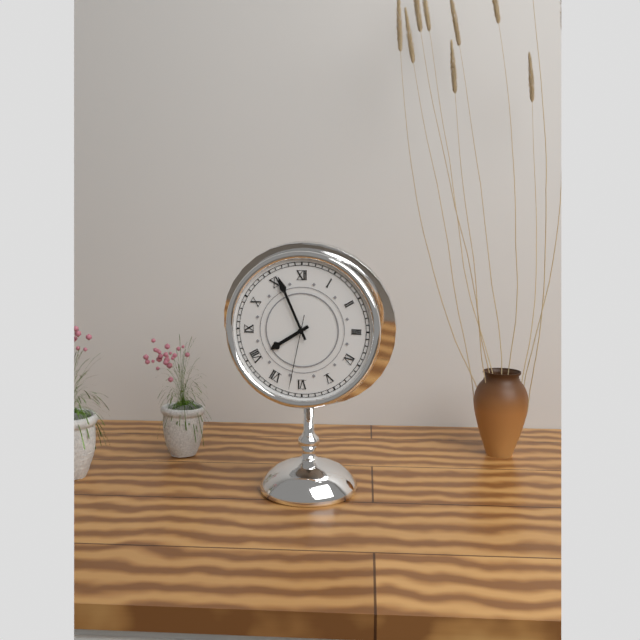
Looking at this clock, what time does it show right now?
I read 7:56:32
